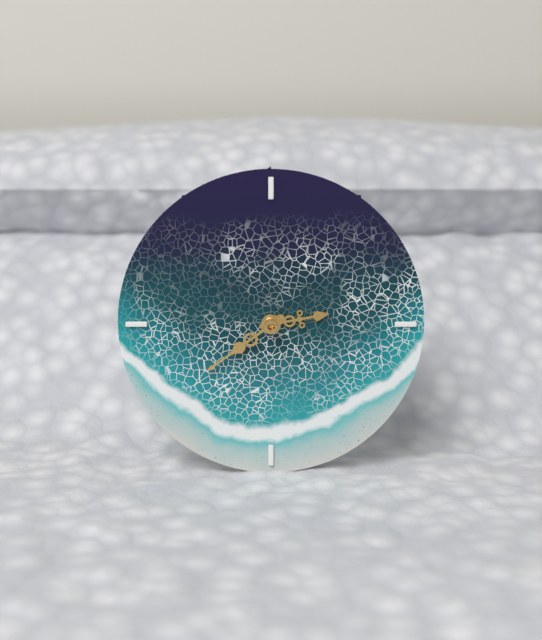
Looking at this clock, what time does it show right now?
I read 2:39
